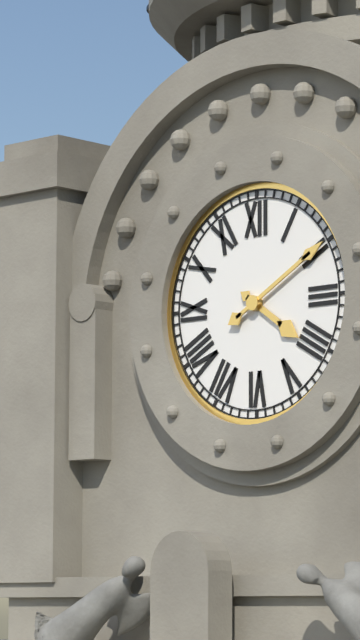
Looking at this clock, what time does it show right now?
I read 4:10
